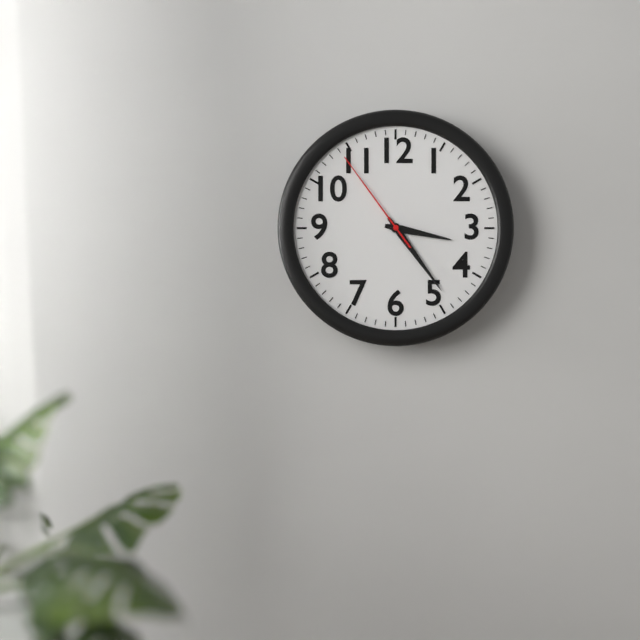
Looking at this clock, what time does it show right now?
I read 3:24:54
